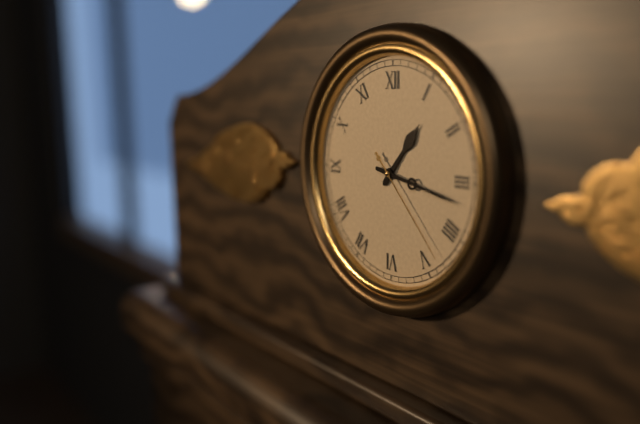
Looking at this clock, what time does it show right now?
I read 1:17:23
